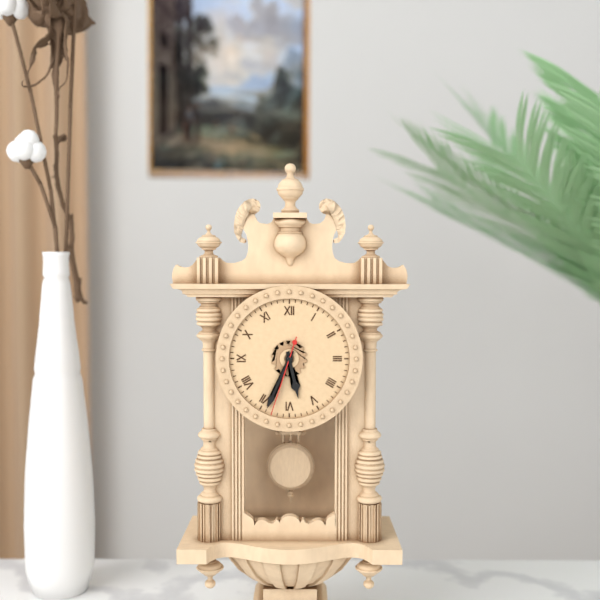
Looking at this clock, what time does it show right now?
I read 5:34:33
